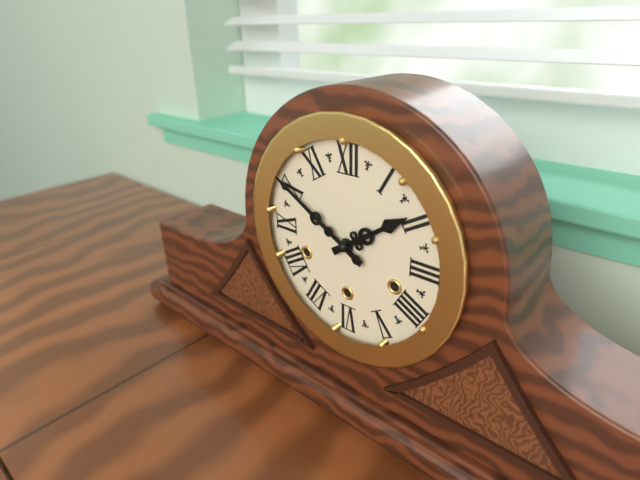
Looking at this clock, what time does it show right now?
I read 1:50
